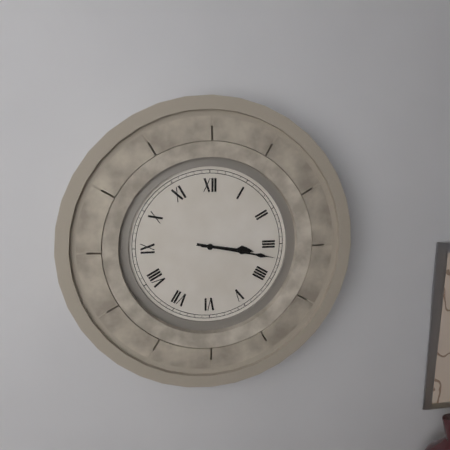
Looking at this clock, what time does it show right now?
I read 3:17
